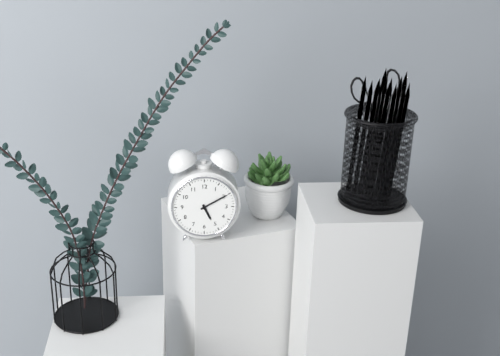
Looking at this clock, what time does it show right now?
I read 5:10
